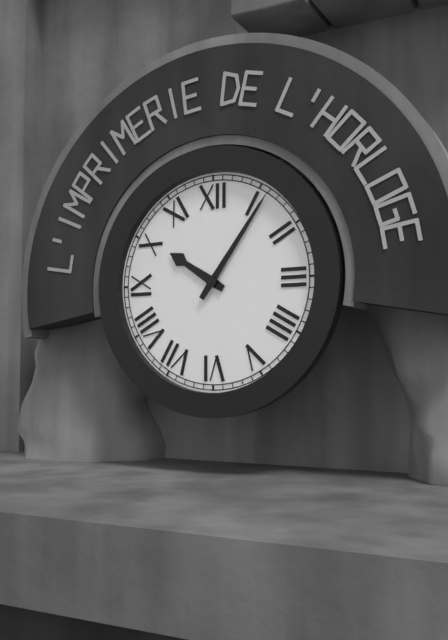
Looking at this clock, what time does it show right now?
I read 10:06
